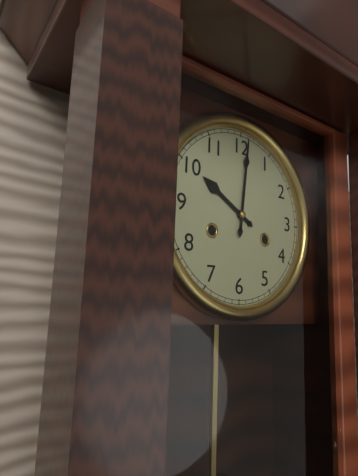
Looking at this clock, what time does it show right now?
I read 10:01
